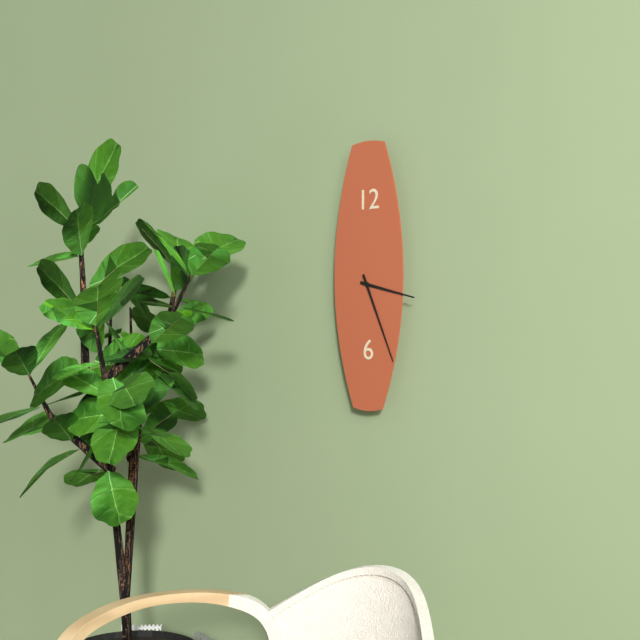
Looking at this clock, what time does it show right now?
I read 3:26
